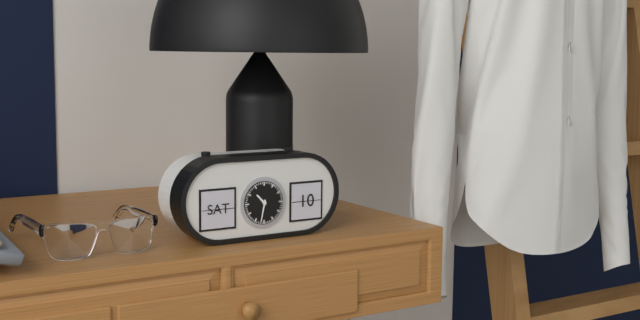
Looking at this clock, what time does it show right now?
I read 10:32
